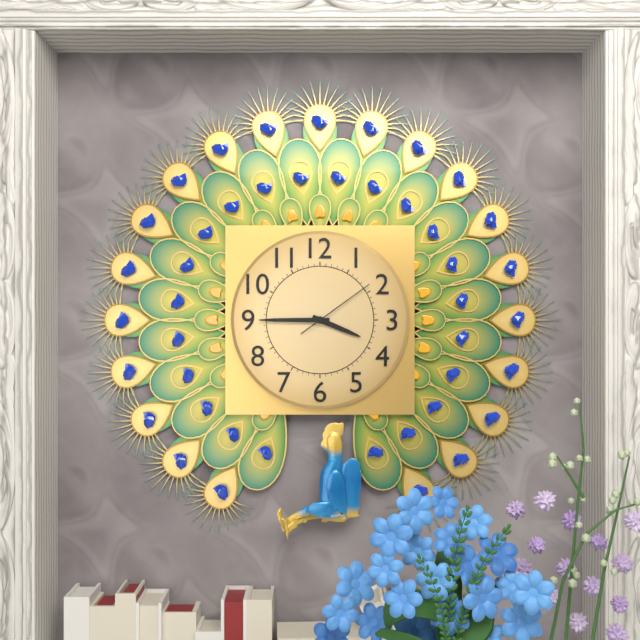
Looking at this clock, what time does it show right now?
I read 3:45:09
